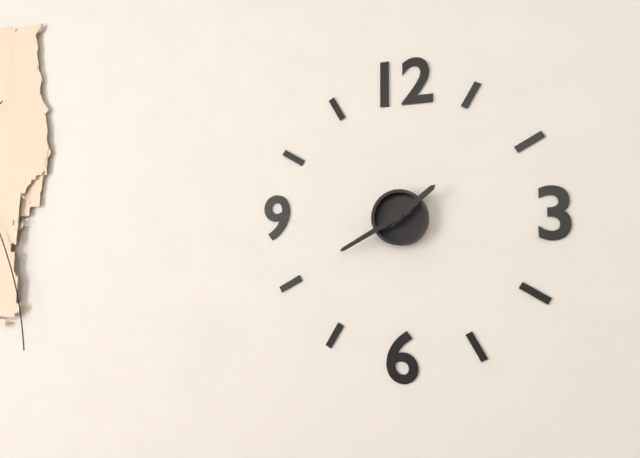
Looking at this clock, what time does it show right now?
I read 1:40
